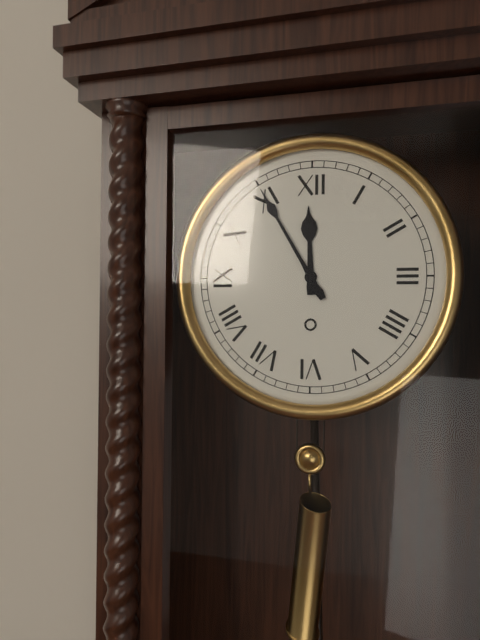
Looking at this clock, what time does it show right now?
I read 11:55
